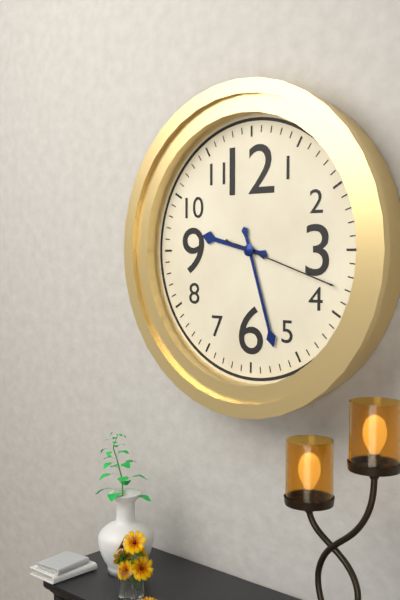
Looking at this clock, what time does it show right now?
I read 9:27:18
